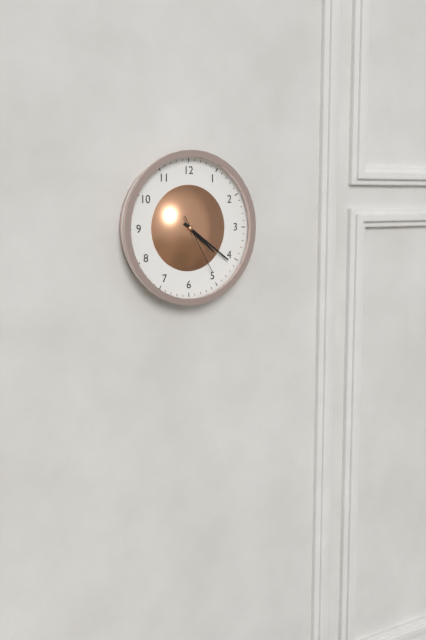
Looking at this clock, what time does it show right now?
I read 4:21:25
